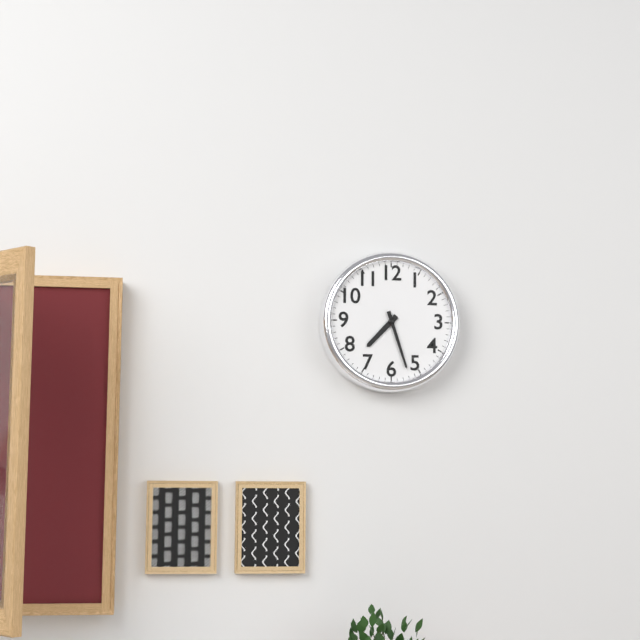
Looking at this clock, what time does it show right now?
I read 7:27
